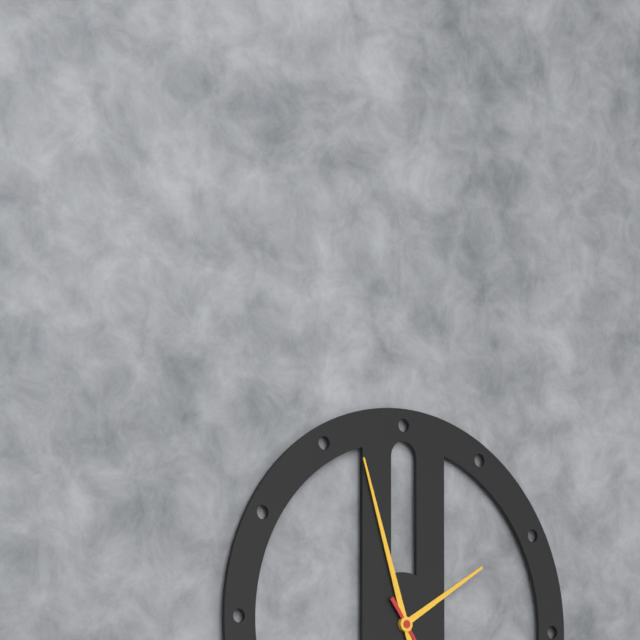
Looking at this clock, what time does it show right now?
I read 1:57
